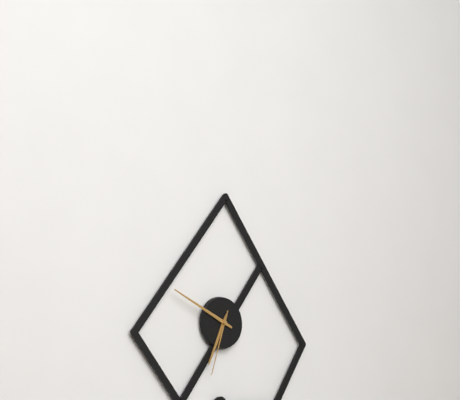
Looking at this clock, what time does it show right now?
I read 6:49:33
